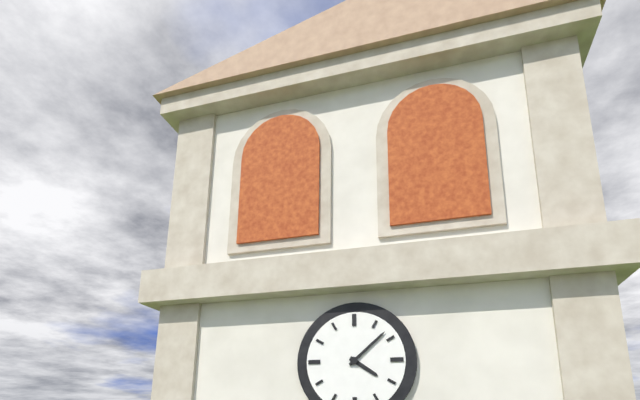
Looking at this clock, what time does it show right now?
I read 4:08
